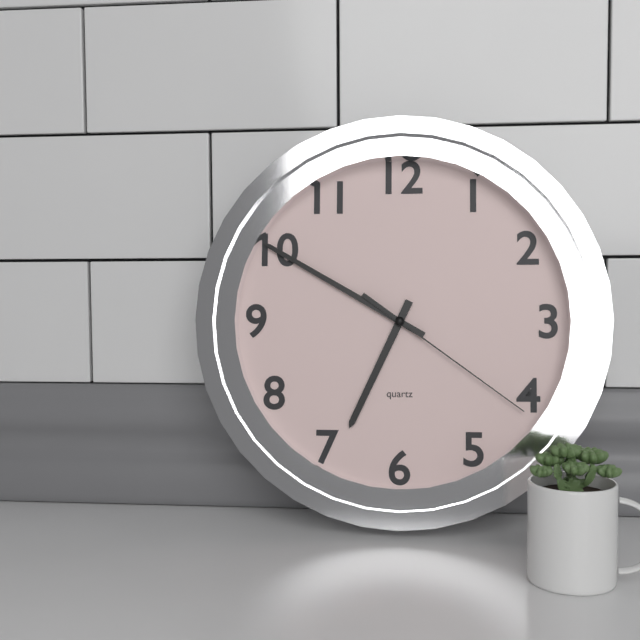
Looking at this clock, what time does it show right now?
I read 6:50:21
